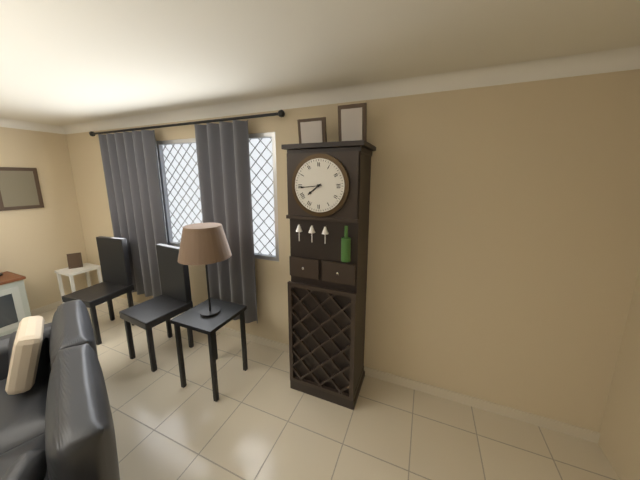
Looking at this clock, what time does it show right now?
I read 7:44
